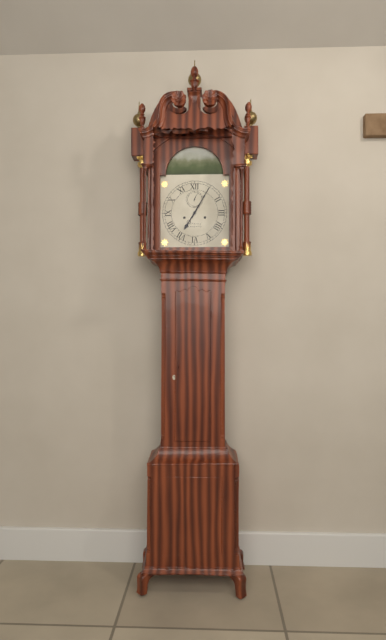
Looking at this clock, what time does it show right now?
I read 7:05
